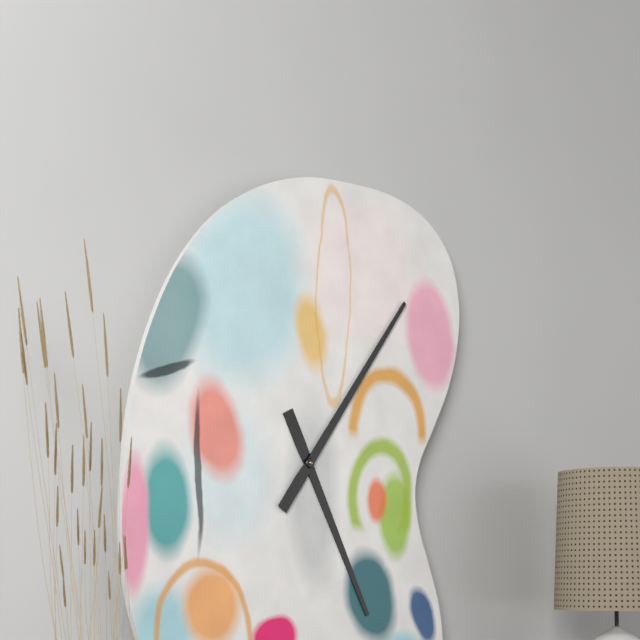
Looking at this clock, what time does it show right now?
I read 5:06
